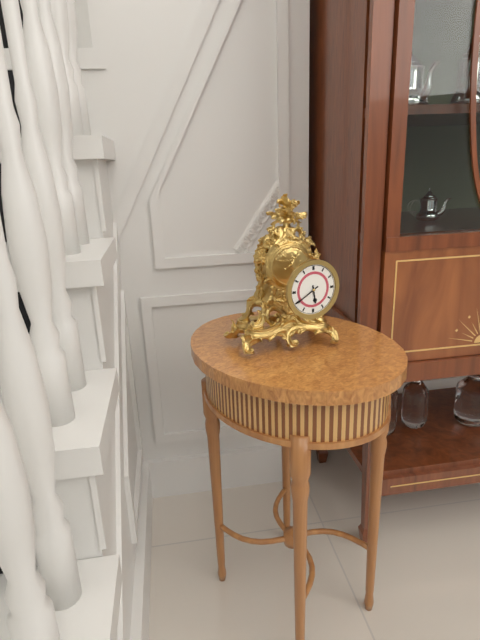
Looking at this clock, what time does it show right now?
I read 5:40
